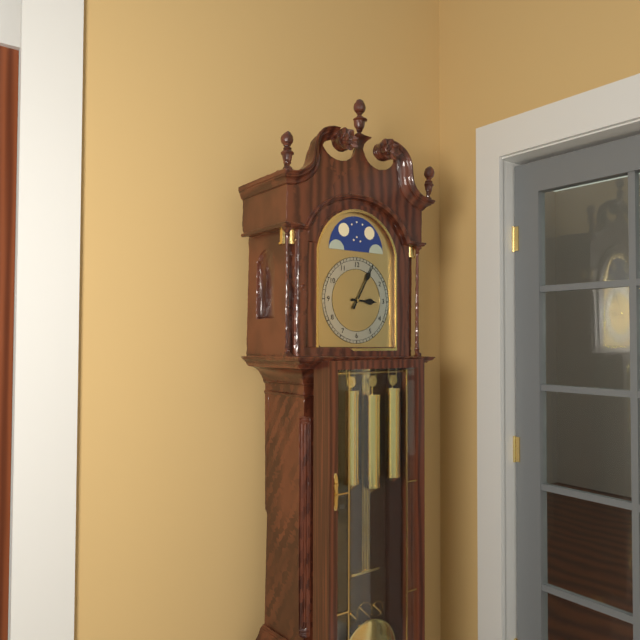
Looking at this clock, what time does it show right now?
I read 3:05
